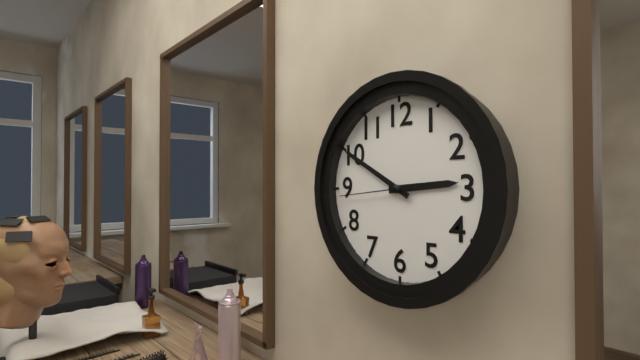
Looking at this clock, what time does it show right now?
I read 2:50:44
